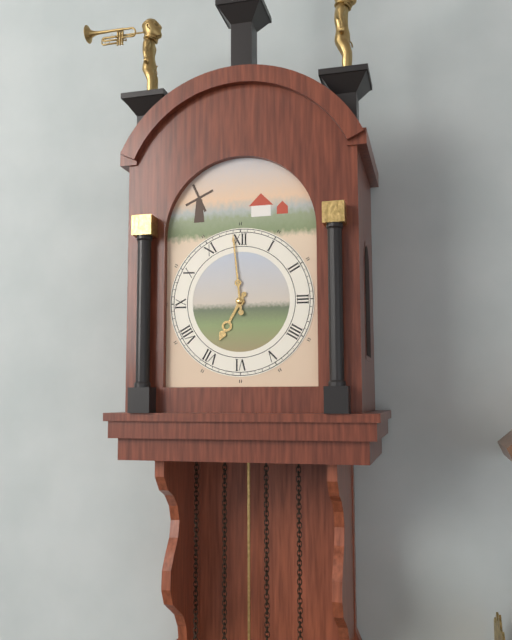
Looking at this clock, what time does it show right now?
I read 6:59
